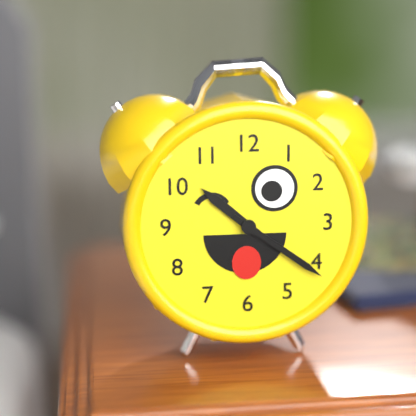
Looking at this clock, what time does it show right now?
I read 10:21
